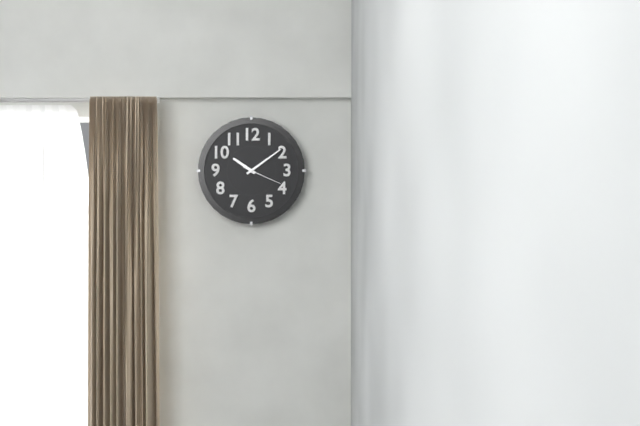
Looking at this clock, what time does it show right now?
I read 10:09
